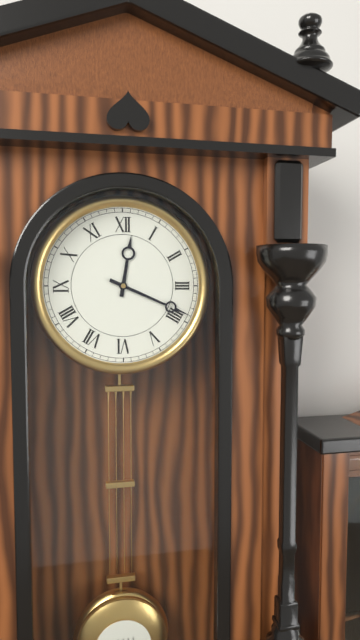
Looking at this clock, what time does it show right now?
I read 12:19
